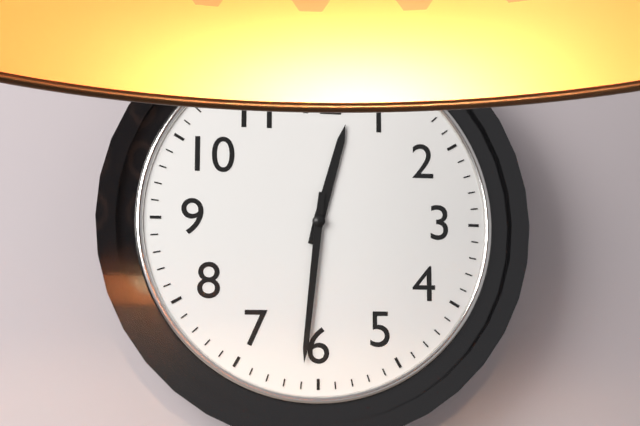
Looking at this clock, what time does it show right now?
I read 12:31
